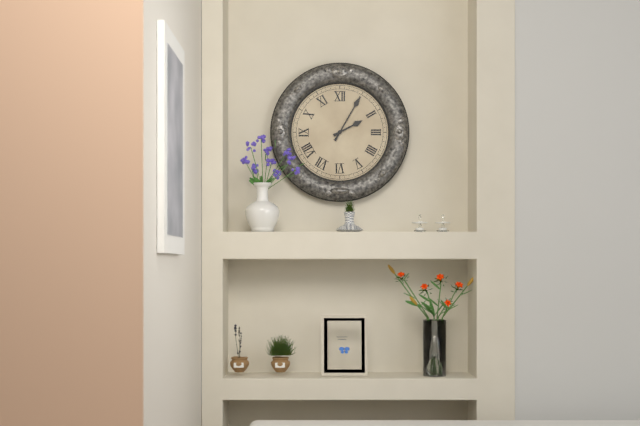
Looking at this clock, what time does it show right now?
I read 2:05
